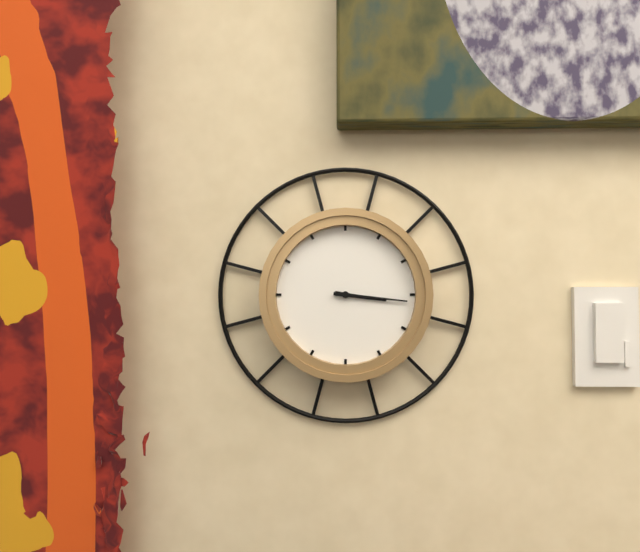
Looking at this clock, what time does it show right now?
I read 3:16
